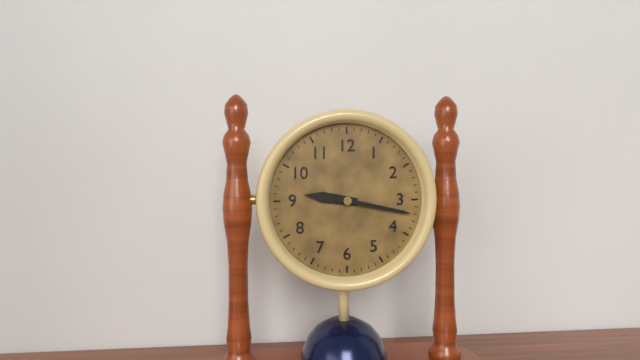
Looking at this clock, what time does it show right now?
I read 9:17
